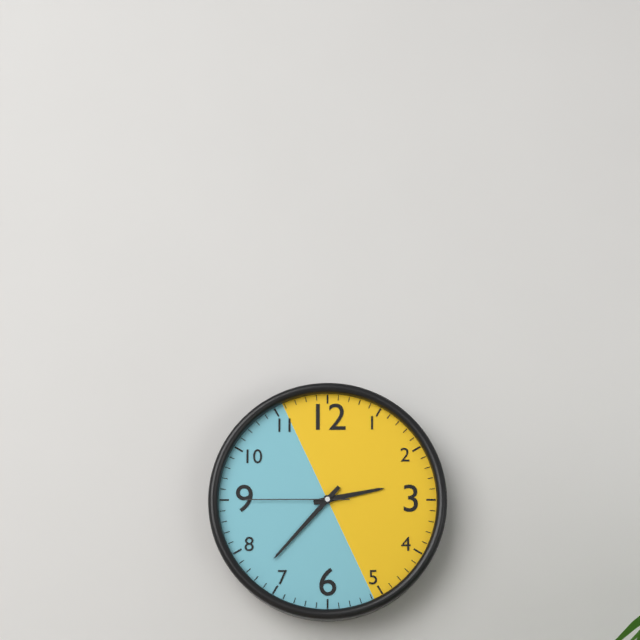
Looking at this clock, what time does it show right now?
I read 2:37:45
